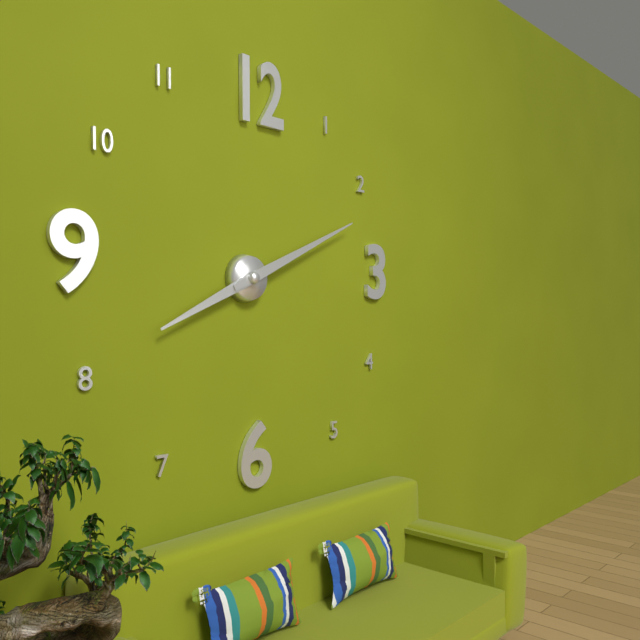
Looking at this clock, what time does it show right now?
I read 8:11
